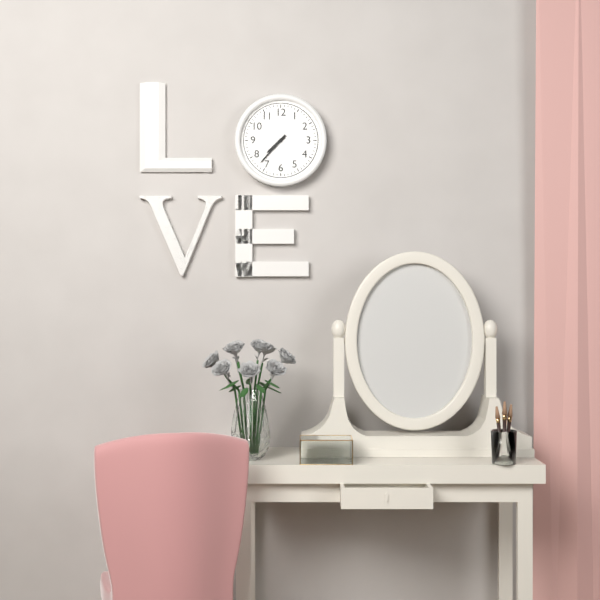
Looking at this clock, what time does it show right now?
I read 7:37
